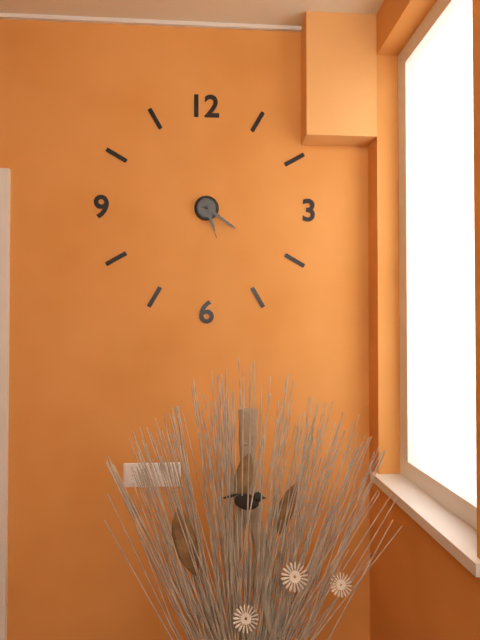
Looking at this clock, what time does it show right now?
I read 5:21
